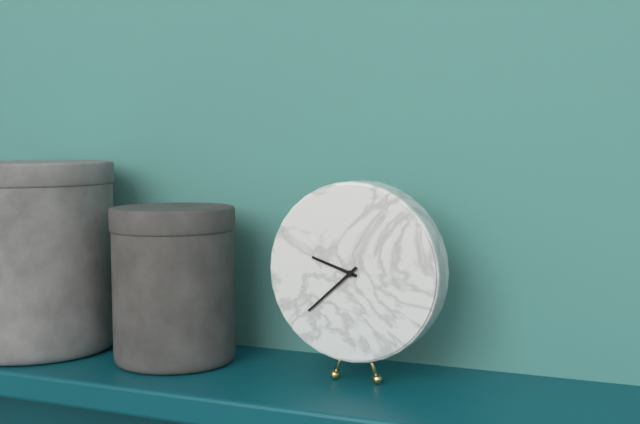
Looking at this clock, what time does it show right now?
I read 9:38
